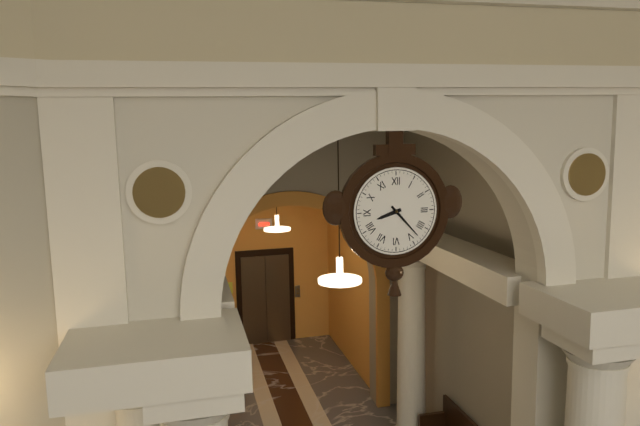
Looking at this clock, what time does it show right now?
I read 8:23
